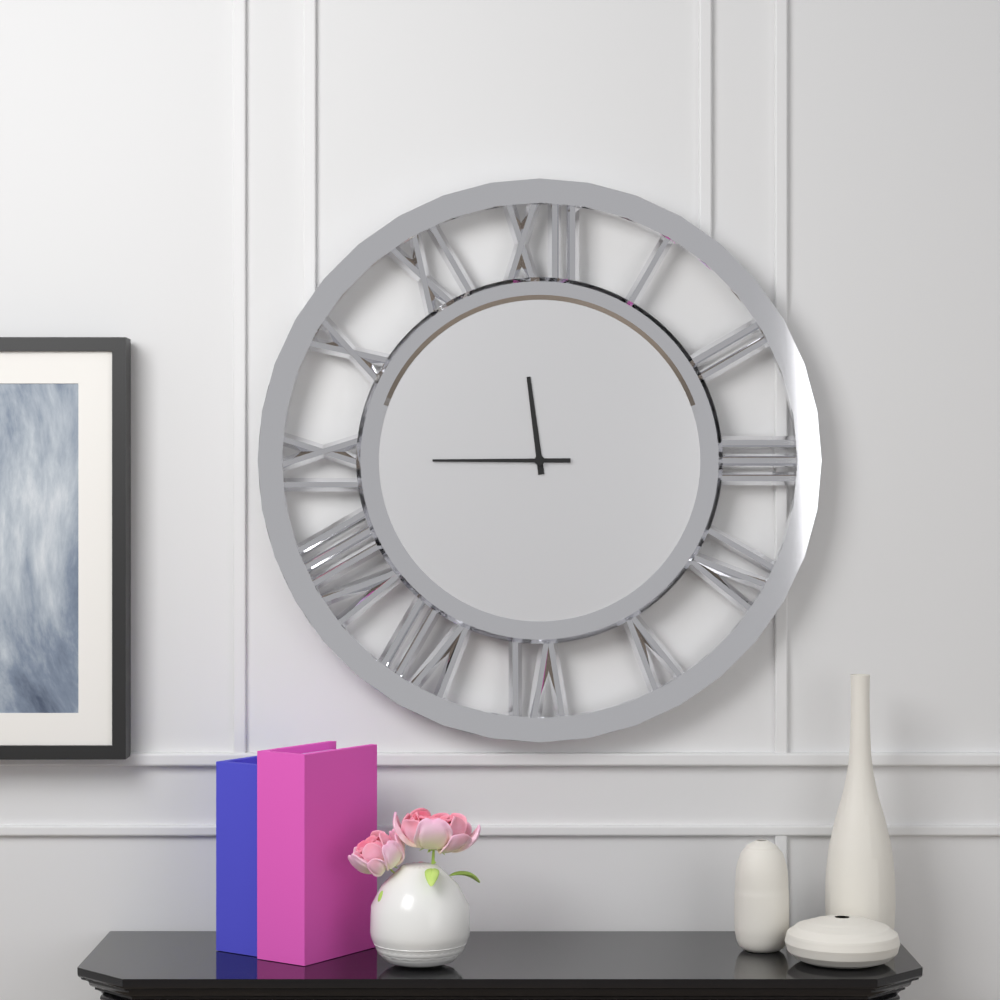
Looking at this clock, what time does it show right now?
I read 11:45
